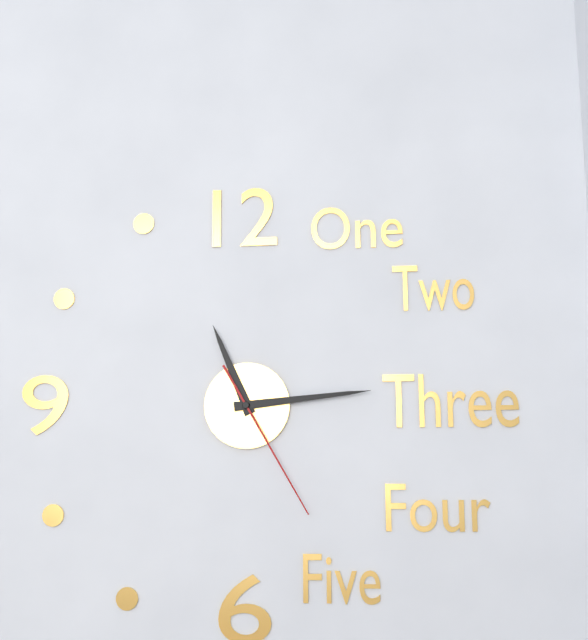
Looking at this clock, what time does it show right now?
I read 11:14:25
